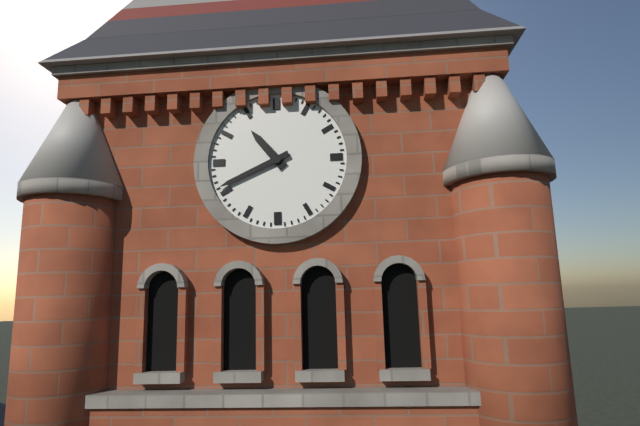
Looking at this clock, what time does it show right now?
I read 10:41
